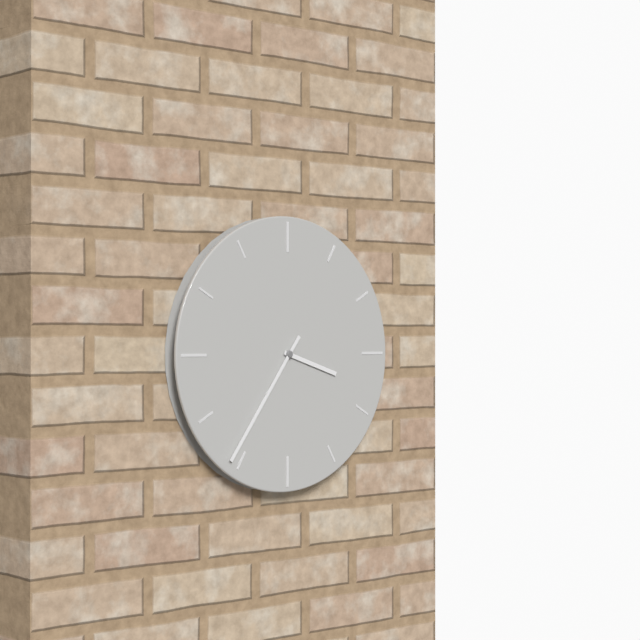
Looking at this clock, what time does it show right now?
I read 3:36
